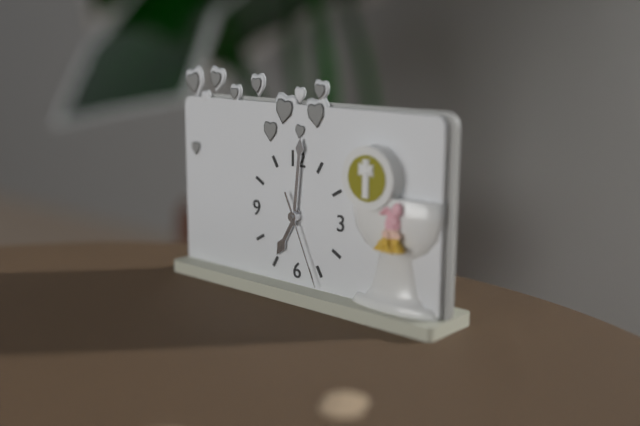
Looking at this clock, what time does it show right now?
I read 7:01:26
